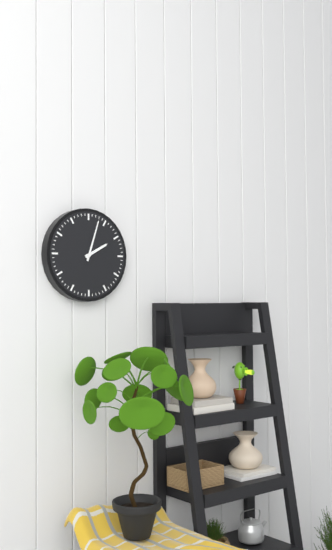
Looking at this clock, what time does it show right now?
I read 2:03
